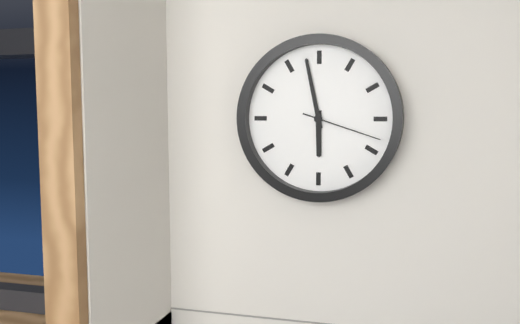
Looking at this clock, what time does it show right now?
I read 5:58:18
